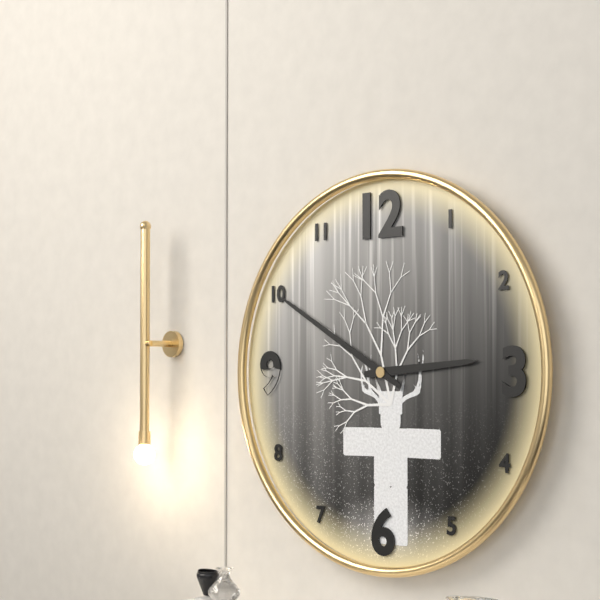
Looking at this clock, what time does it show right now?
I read 2:50
